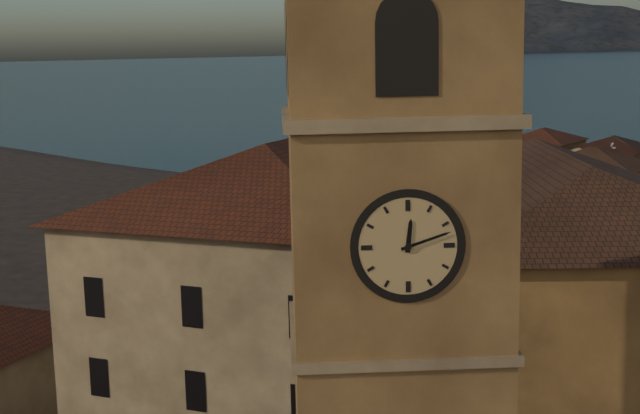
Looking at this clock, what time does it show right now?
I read 12:12
